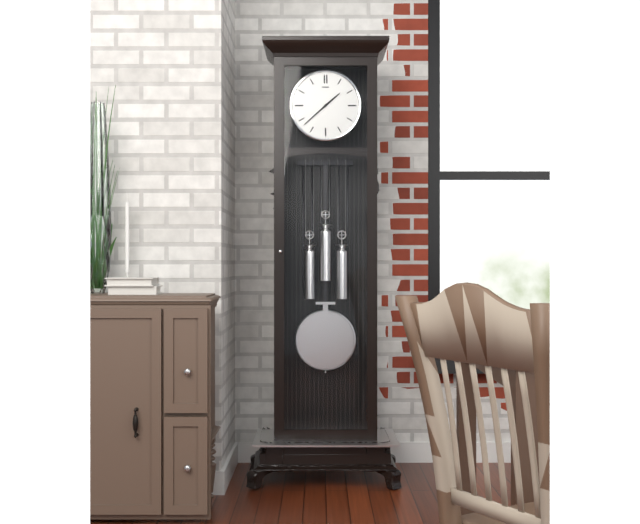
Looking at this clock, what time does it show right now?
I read 1:38
